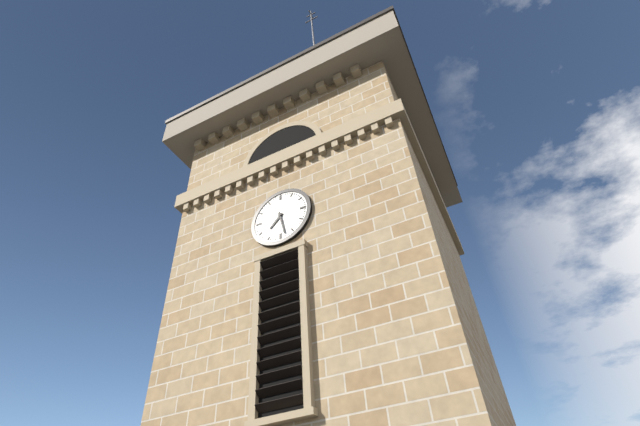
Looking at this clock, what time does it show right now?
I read 7:28
